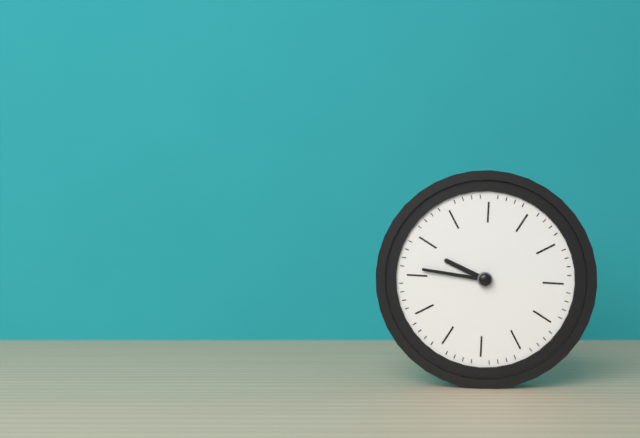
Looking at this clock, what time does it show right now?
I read 9:46
